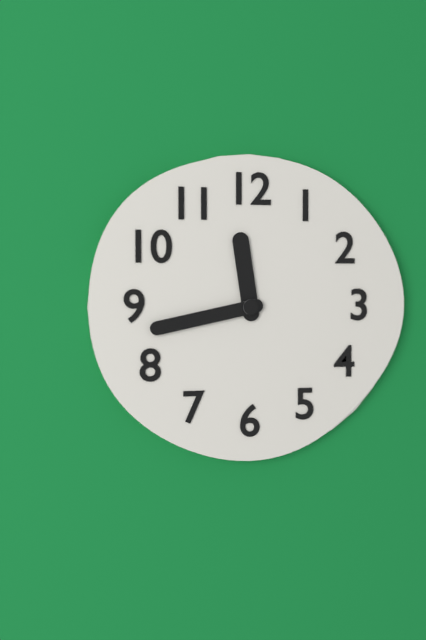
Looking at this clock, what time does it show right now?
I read 11:43
